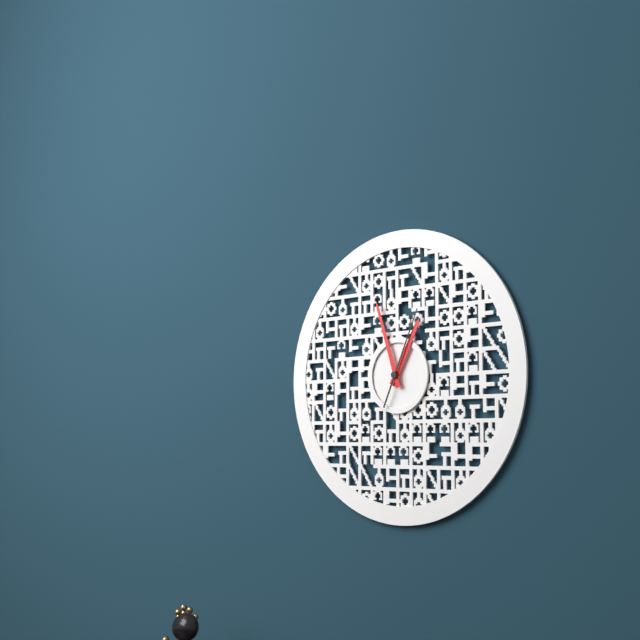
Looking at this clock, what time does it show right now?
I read 12:57:04
